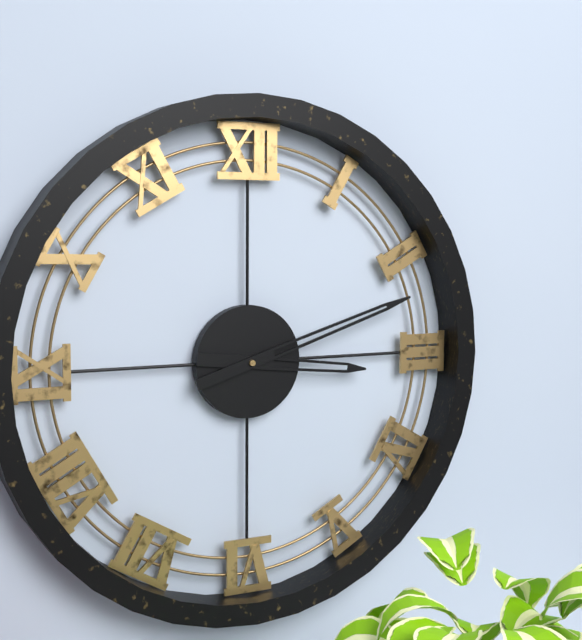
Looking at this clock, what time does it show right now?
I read 3:12
